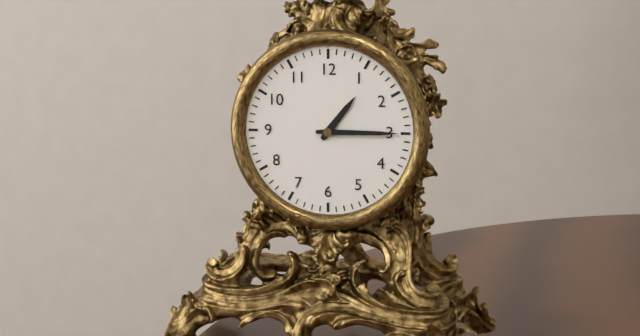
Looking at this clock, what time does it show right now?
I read 1:15
